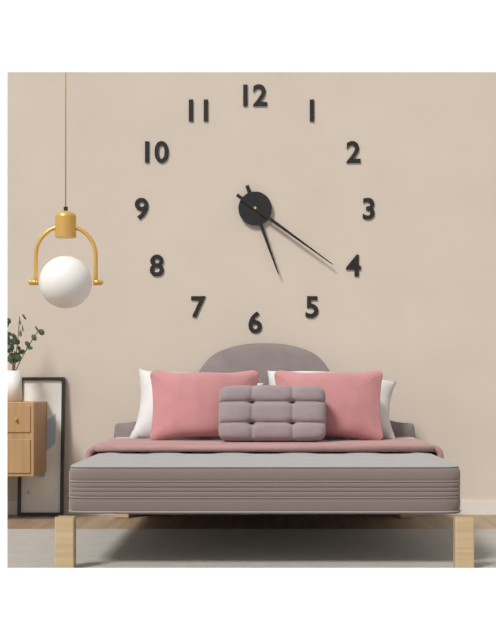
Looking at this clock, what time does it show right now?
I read 5:21
